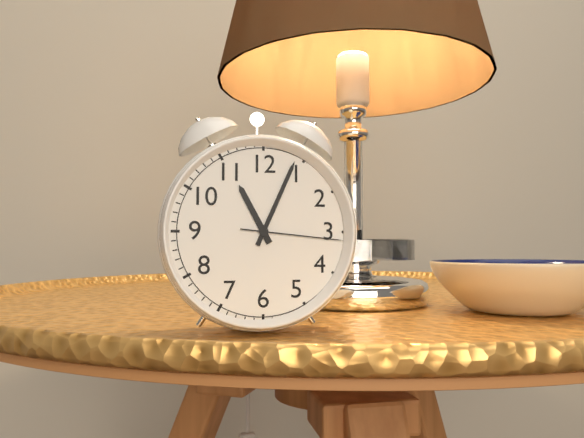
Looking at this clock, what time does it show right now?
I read 11:04:16
